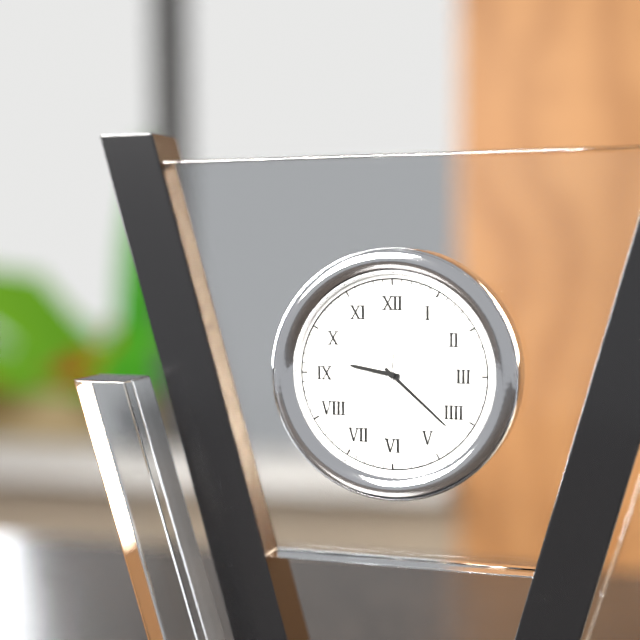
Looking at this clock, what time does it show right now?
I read 9:22:31
